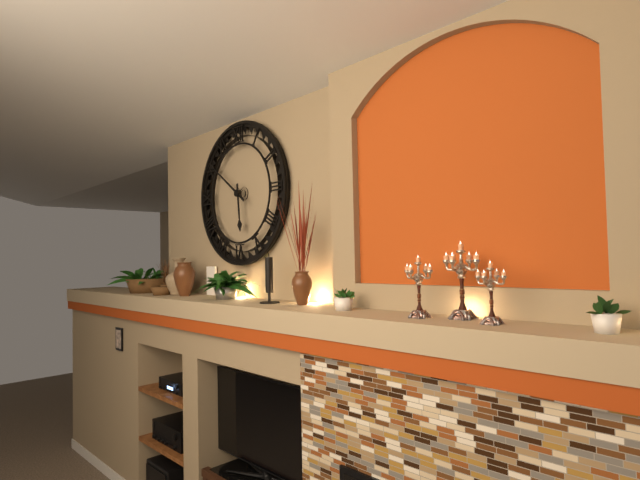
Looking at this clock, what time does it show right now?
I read 5:51
